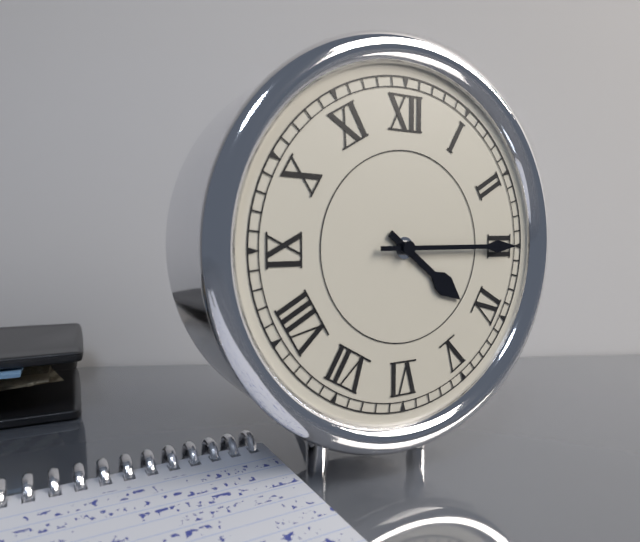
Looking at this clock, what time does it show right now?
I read 4:15
